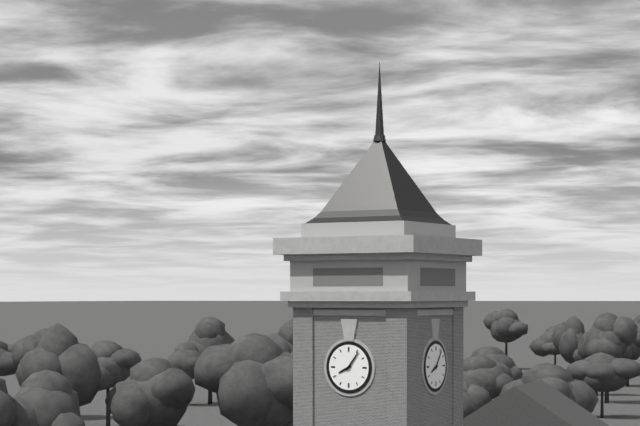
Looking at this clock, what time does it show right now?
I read 8:06
